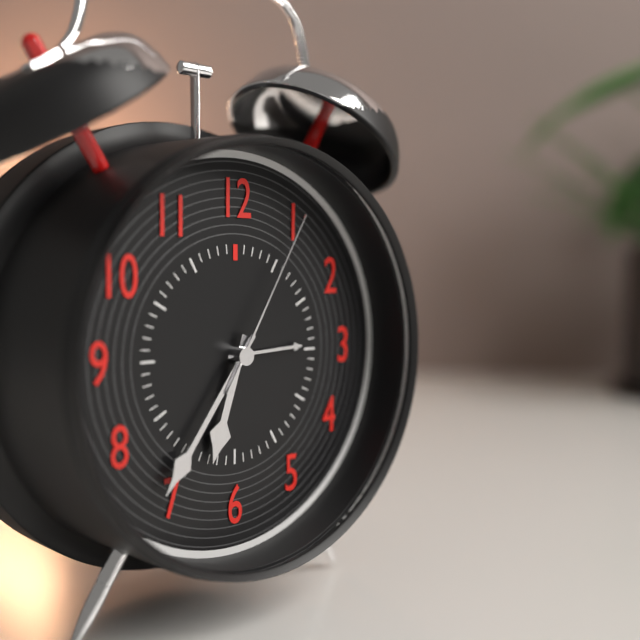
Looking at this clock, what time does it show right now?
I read 6:36:05
